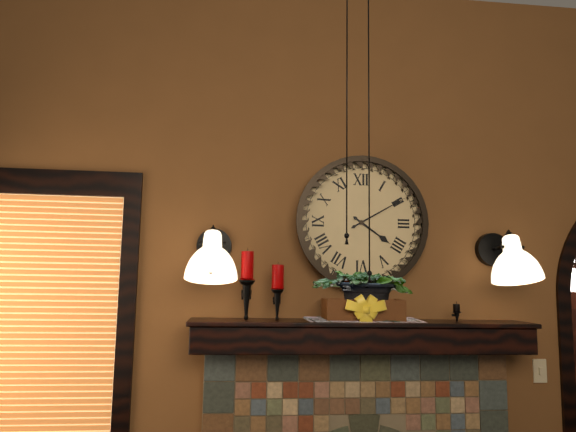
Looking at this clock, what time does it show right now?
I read 4:10
